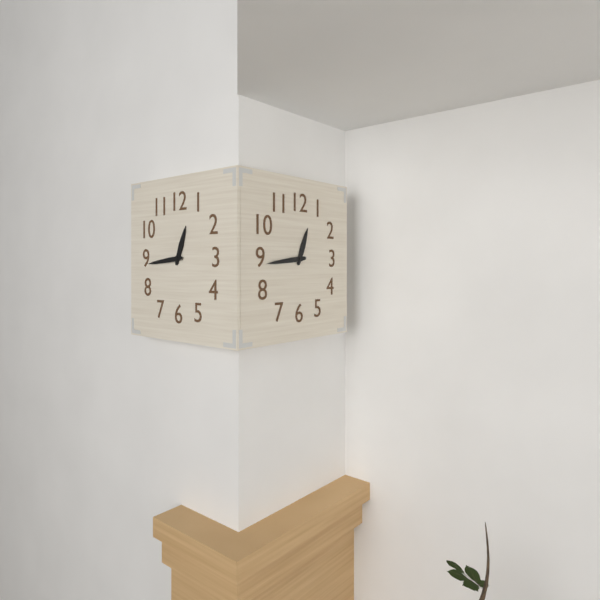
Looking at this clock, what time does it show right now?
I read 12:44
